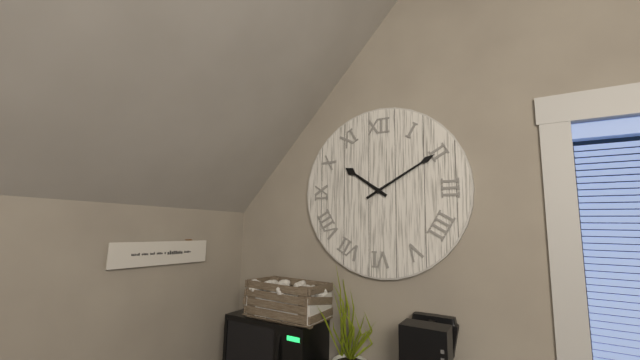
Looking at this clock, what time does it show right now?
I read 10:10
